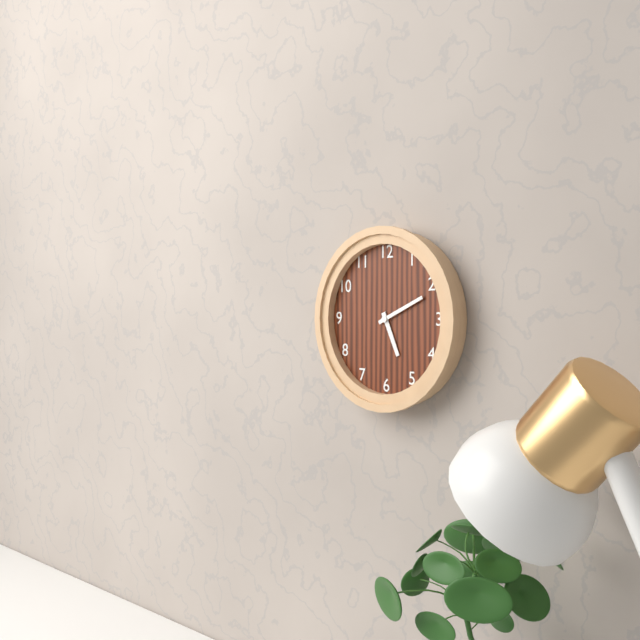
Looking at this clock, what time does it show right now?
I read 5:11
